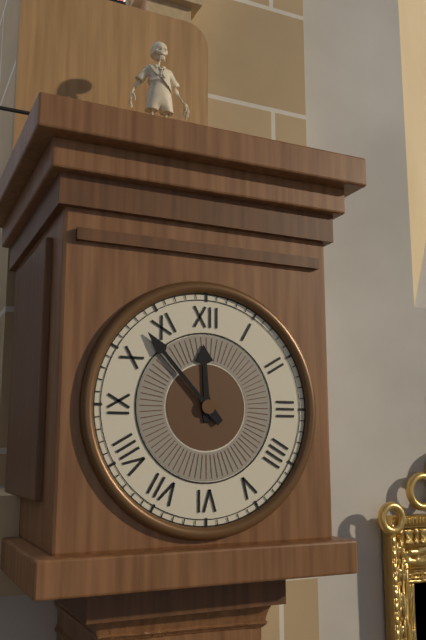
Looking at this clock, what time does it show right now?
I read 11:53
